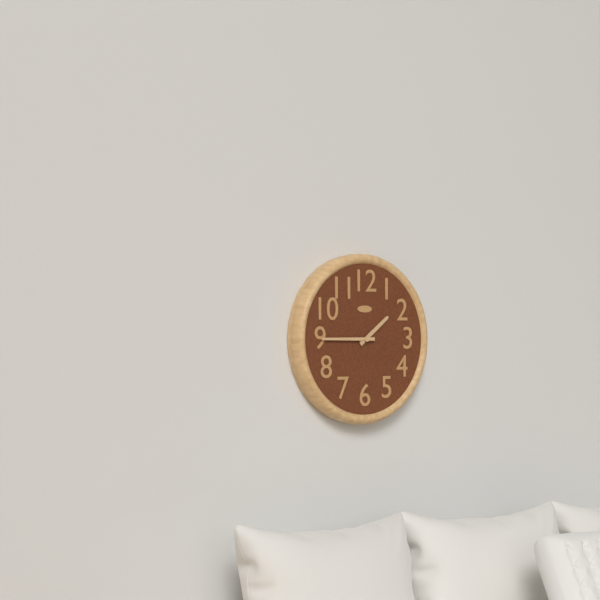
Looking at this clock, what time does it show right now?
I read 1:45
